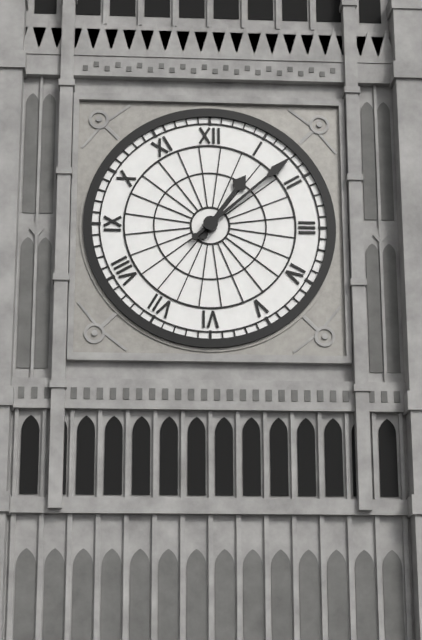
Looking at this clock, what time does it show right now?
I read 1:08
